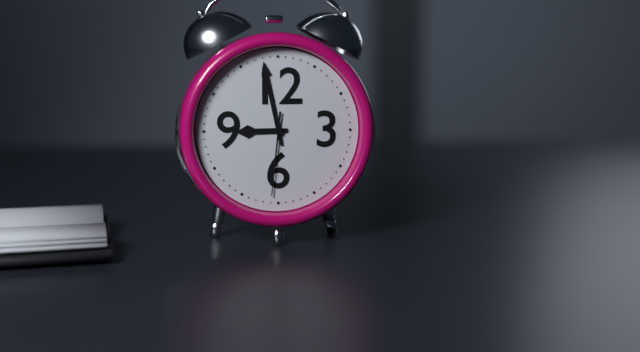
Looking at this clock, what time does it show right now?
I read 8:58:31
